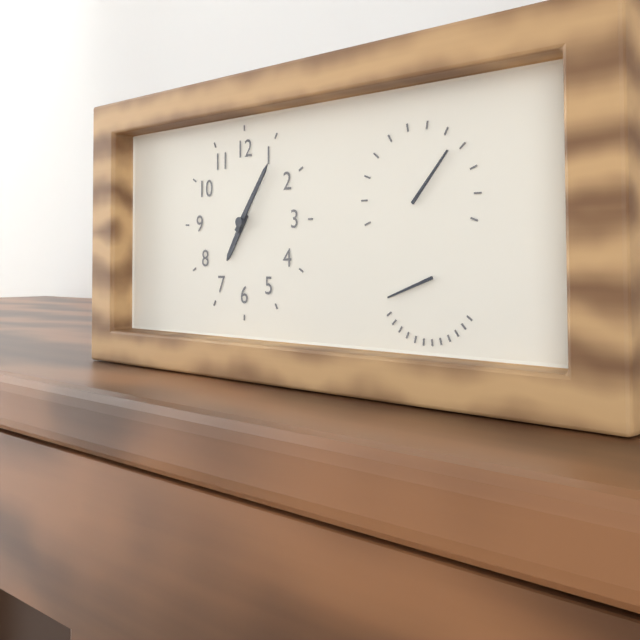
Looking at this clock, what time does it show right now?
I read 7:06
